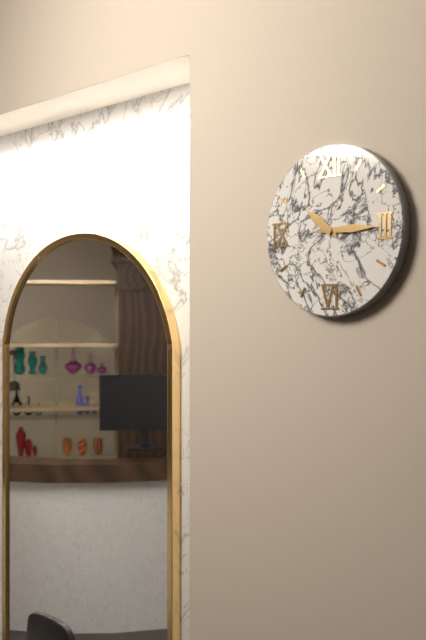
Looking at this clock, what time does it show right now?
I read 10:15
